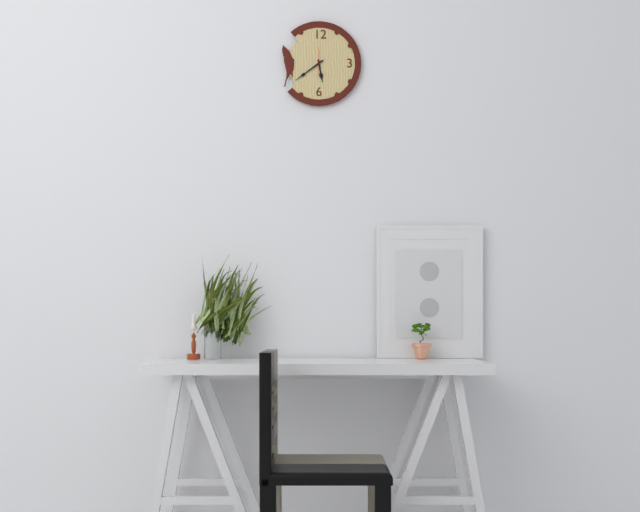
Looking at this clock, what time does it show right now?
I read 5:39
